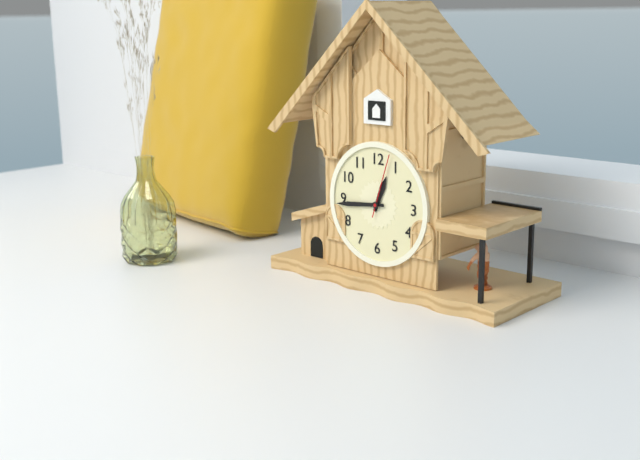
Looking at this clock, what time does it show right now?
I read 12:44:03
